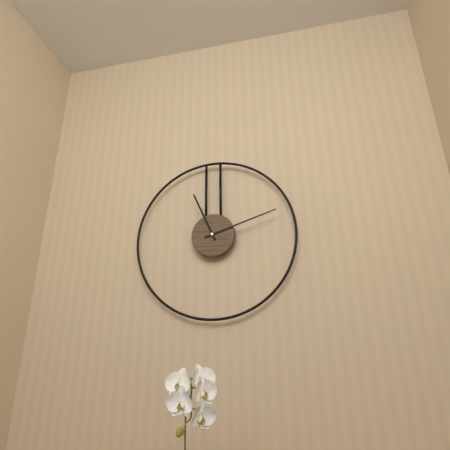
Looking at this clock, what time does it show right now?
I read 11:12
